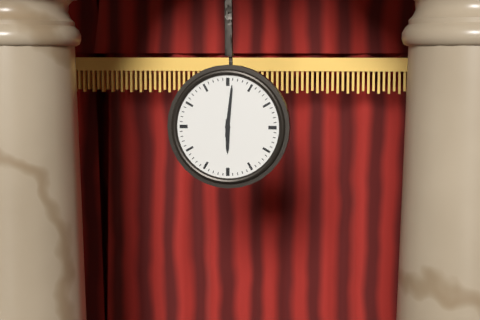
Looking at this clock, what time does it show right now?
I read 6:01
